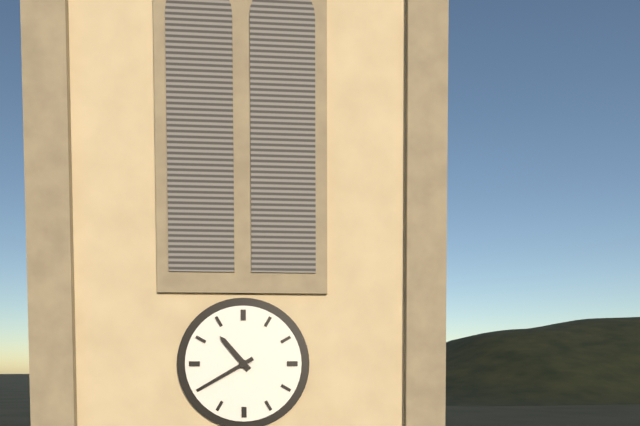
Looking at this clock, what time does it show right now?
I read 10:40
